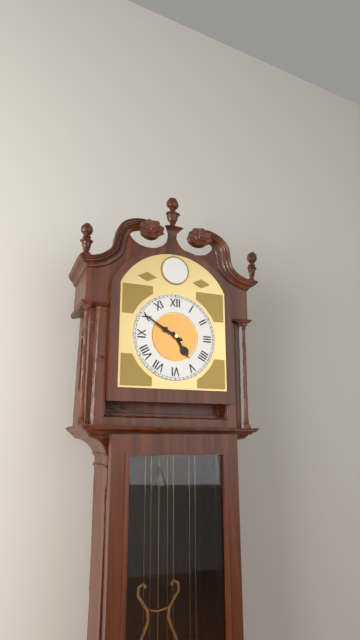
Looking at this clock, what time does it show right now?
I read 4:50
